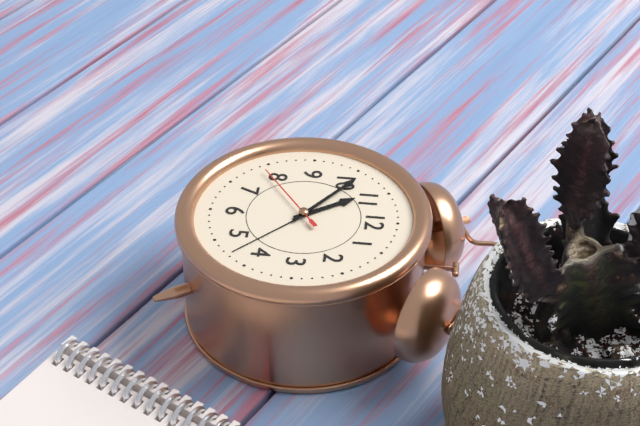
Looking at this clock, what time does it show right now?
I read 10:51:39
